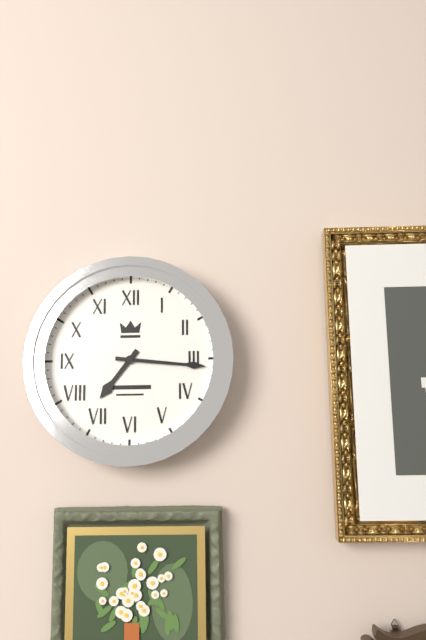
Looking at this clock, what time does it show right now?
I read 7:16
